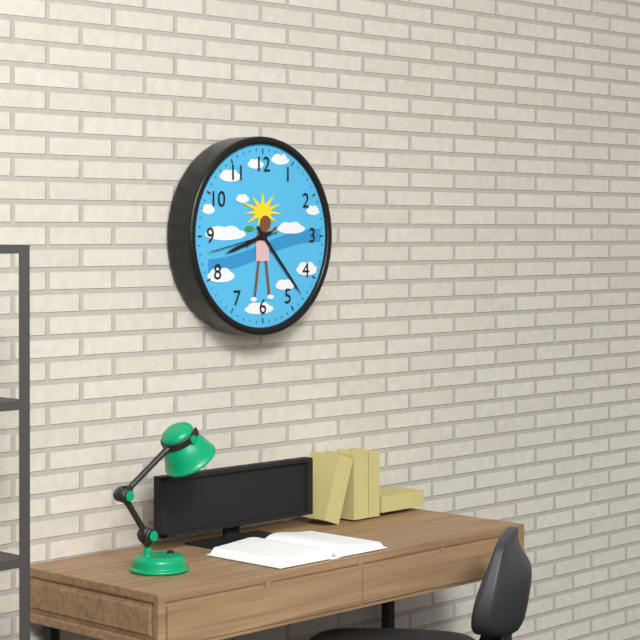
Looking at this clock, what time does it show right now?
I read 8:23:43
